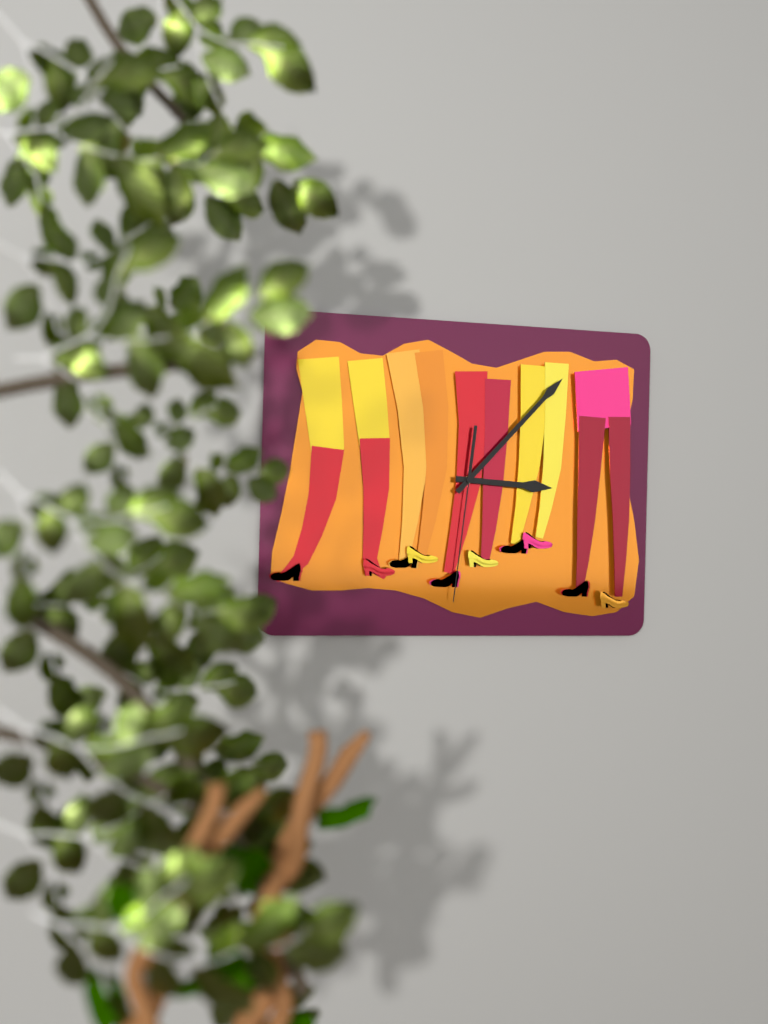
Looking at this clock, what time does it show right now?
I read 3:07:31
